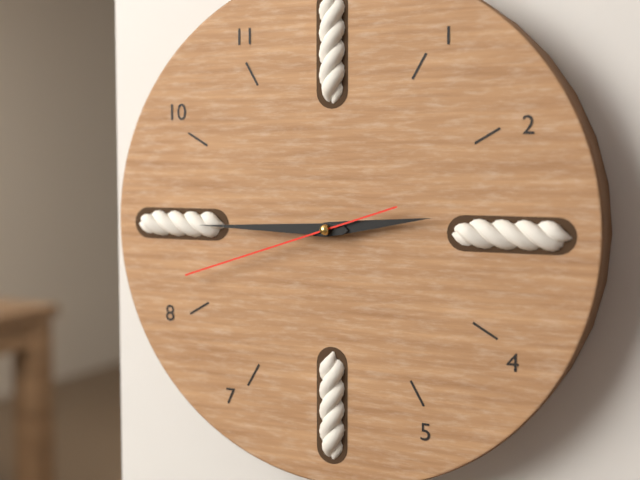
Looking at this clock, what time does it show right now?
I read 2:45:42
